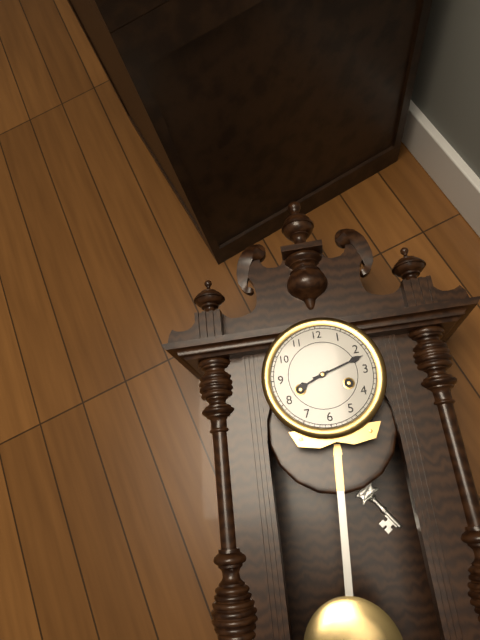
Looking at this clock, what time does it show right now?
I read 8:12
